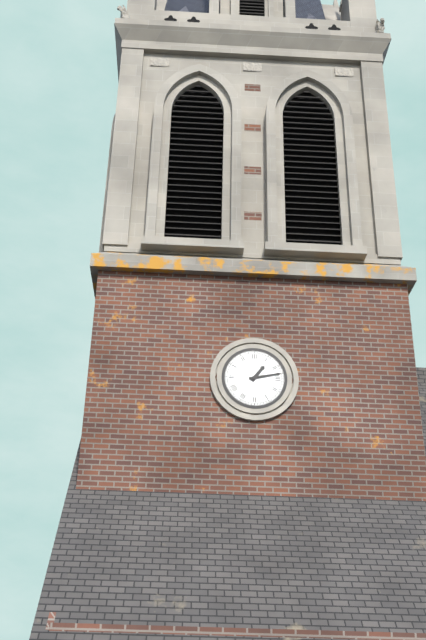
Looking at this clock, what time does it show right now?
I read 1:13
